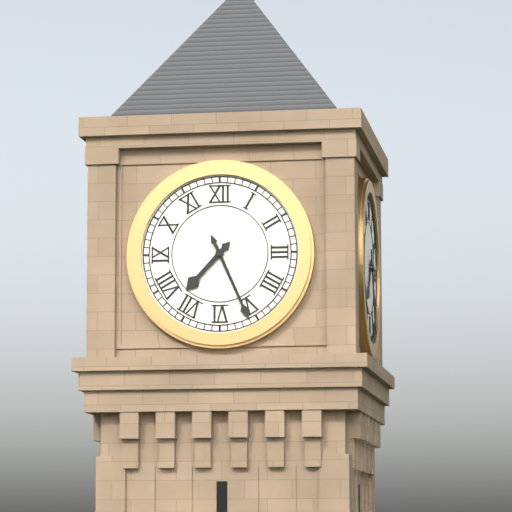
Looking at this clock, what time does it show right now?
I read 7:26
